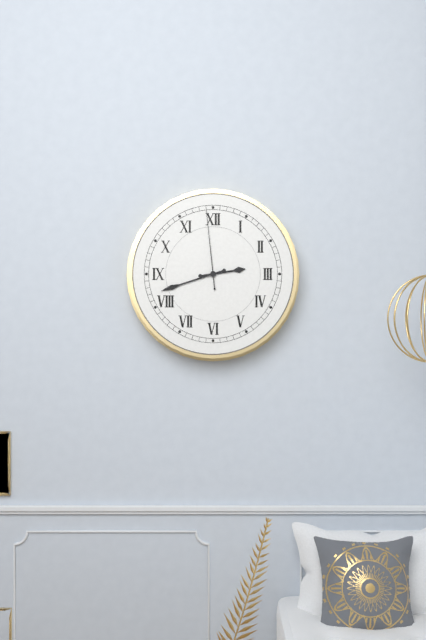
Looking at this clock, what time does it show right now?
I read 2:42:59
